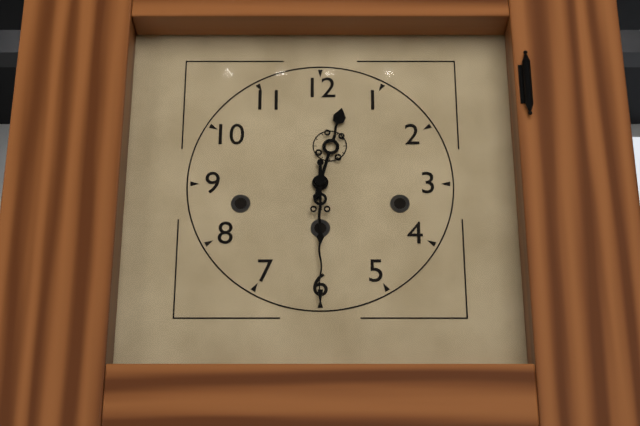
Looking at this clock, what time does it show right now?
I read 12:30
